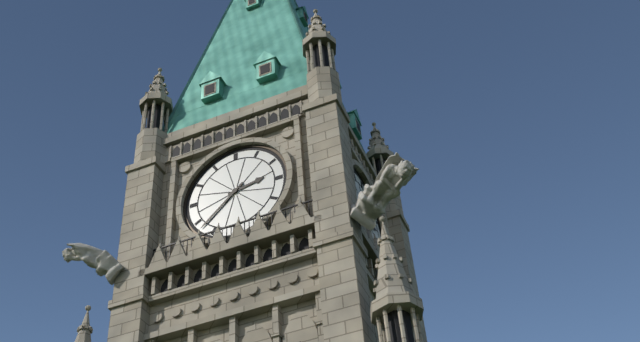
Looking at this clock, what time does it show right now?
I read 2:38
